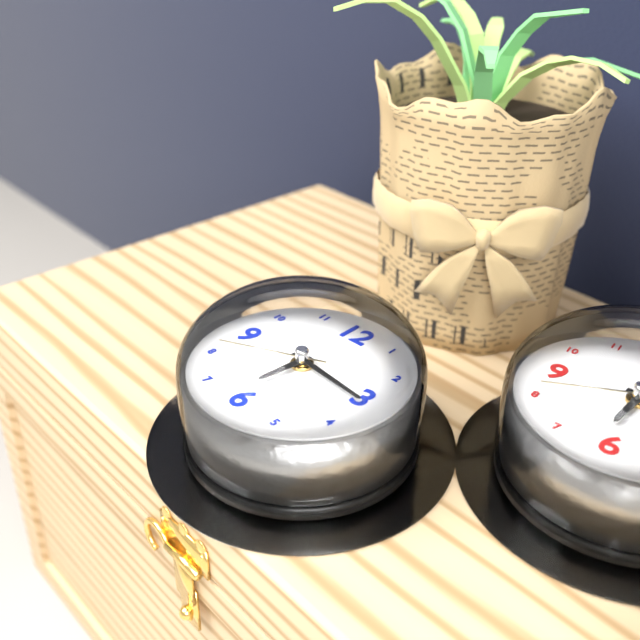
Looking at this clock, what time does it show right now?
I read 6:16:41
